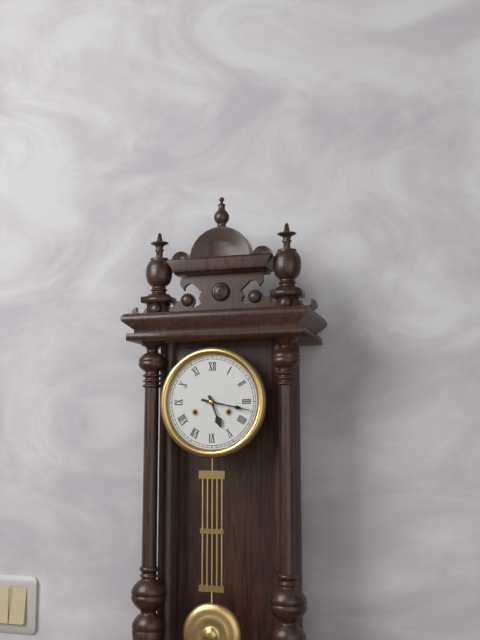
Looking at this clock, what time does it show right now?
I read 5:17
